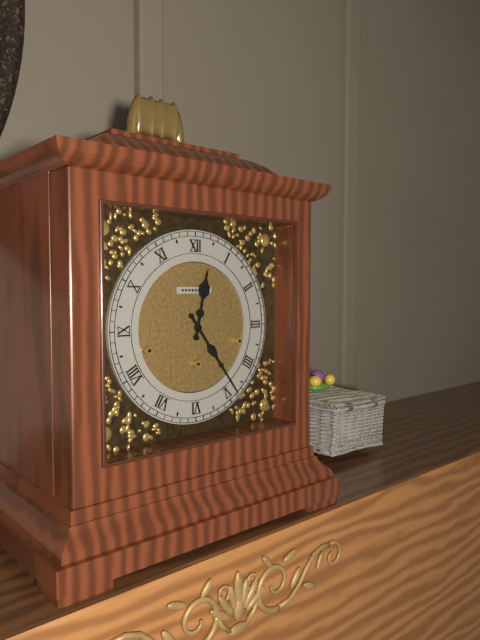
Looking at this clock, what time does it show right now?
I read 12:24
